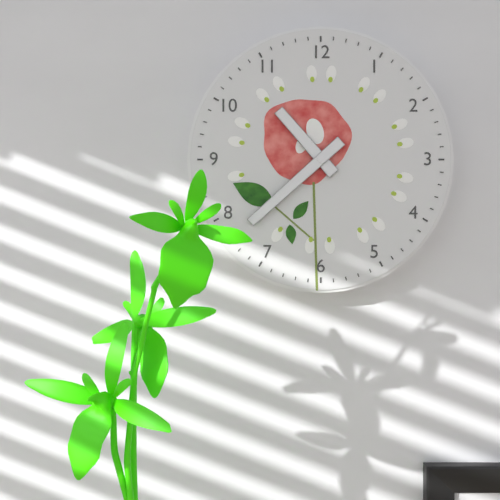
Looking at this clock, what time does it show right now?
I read 10:38
